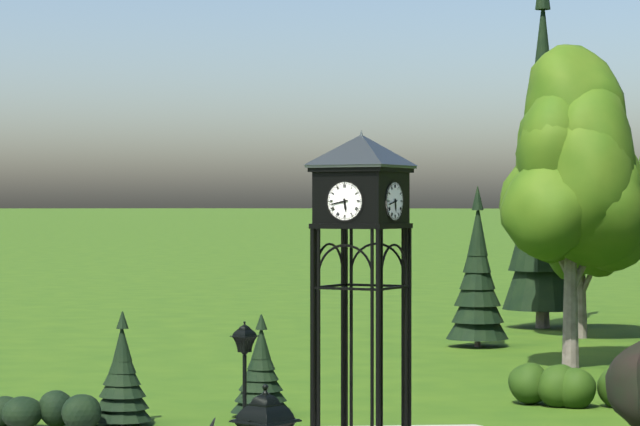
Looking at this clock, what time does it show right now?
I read 5:43
